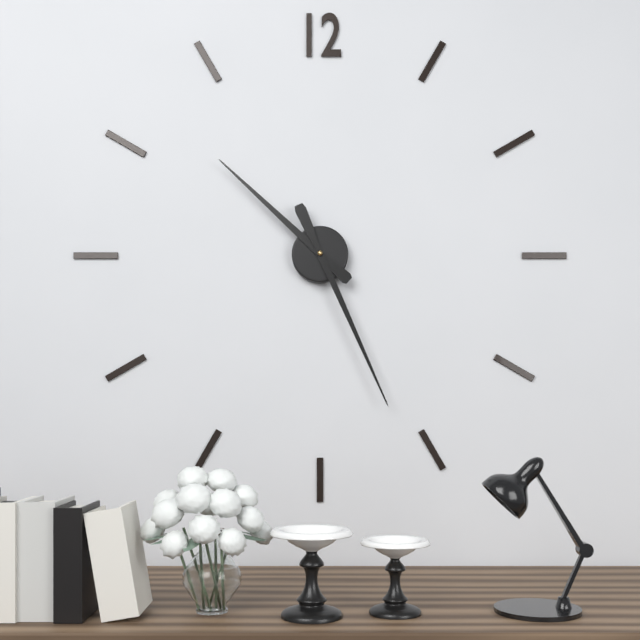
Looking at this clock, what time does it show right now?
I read 10:26
